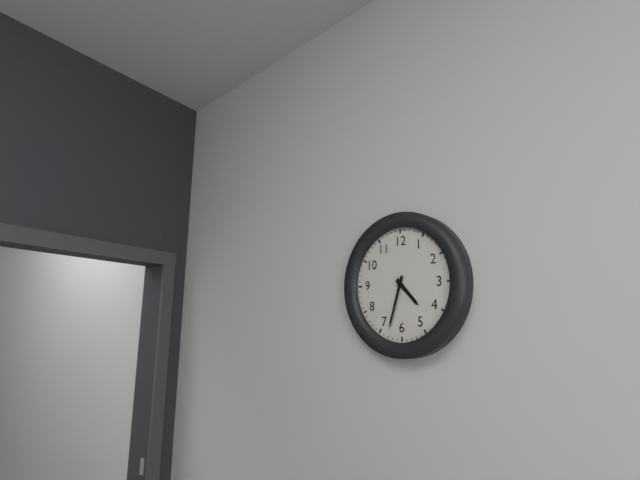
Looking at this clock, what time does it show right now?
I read 4:33
